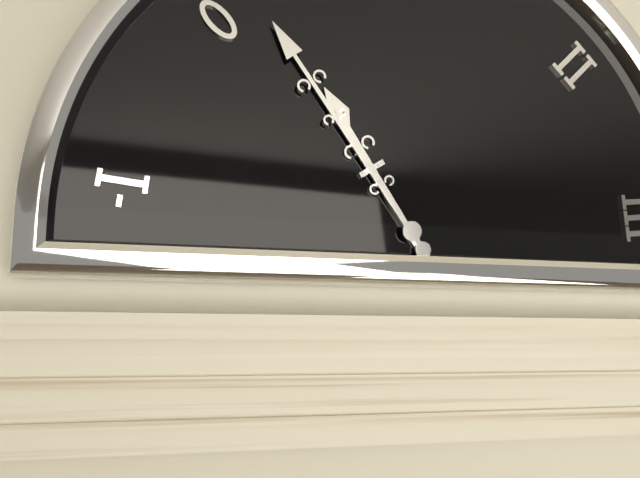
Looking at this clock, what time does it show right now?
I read 10:54
